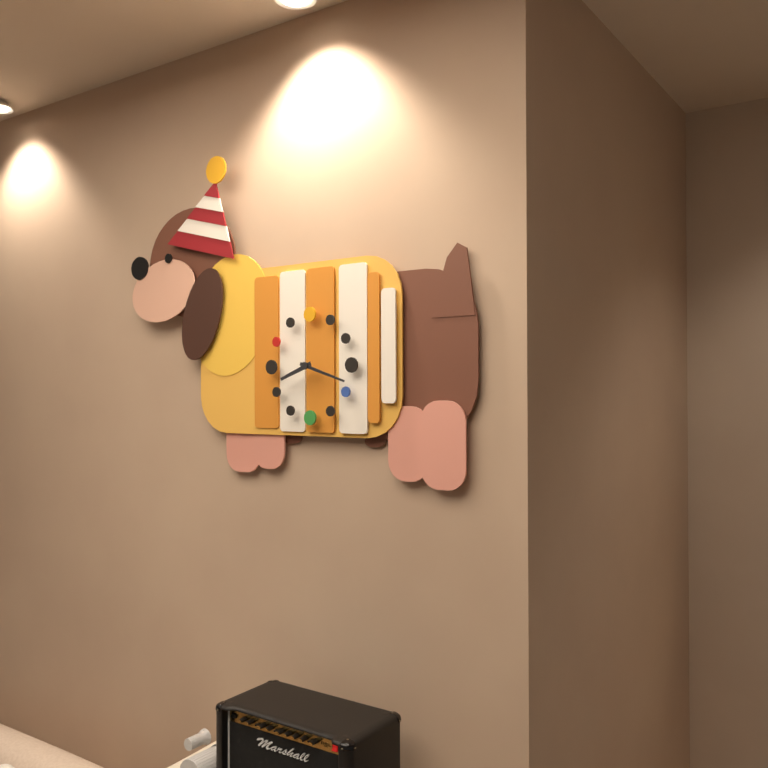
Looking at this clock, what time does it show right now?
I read 8:18
